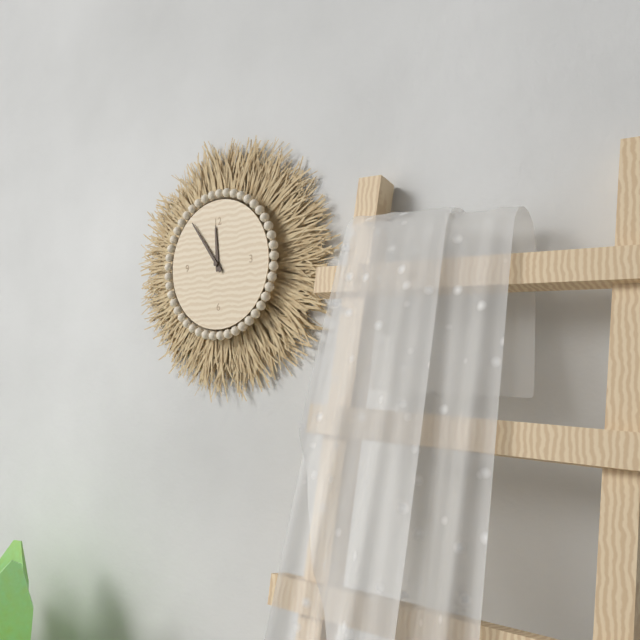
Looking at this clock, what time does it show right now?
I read 11:54
